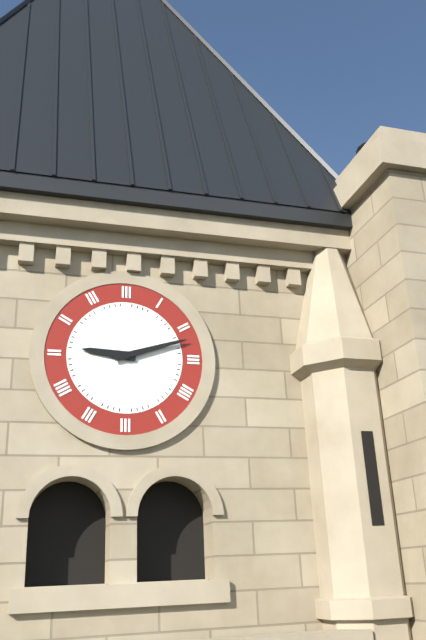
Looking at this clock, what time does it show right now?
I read 9:12
